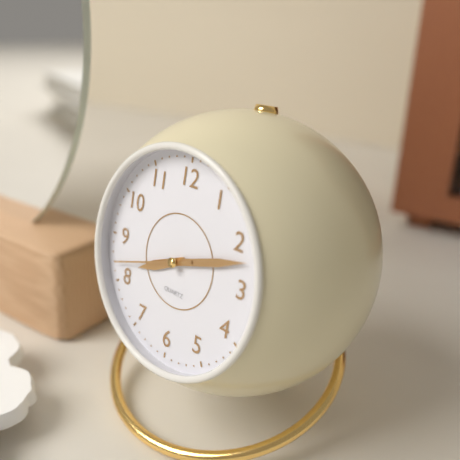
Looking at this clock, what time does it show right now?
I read 8:12:42
